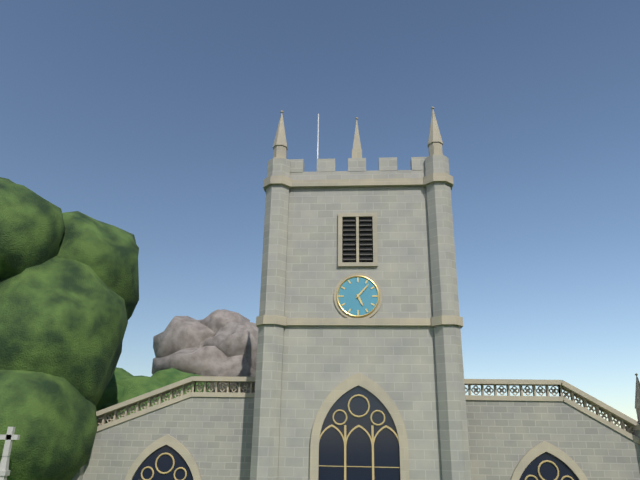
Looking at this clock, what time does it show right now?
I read 5:07
